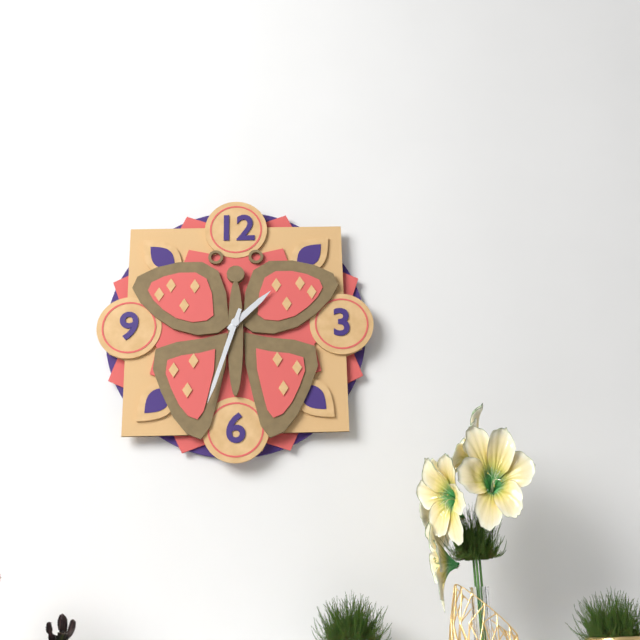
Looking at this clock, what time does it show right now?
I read 1:33
